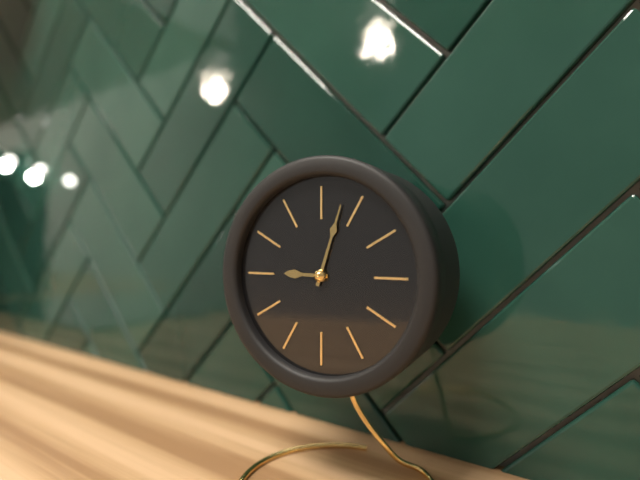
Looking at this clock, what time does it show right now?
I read 9:03
